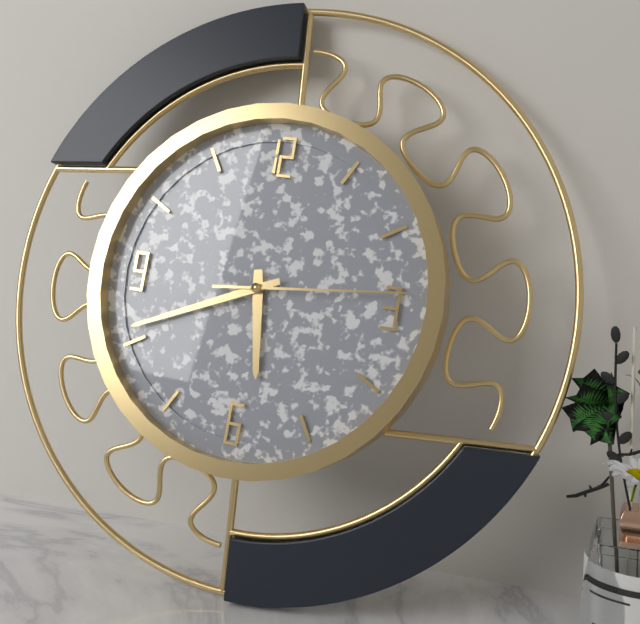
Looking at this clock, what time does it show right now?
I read 5:41:14
